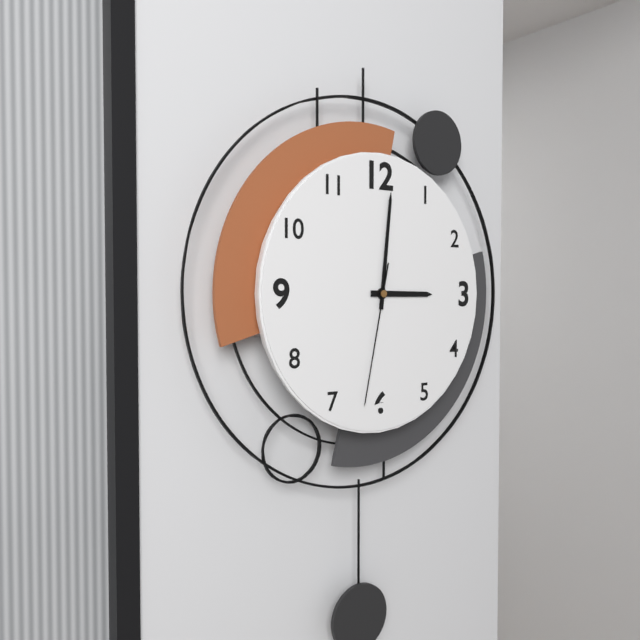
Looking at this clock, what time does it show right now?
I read 3:01:32
